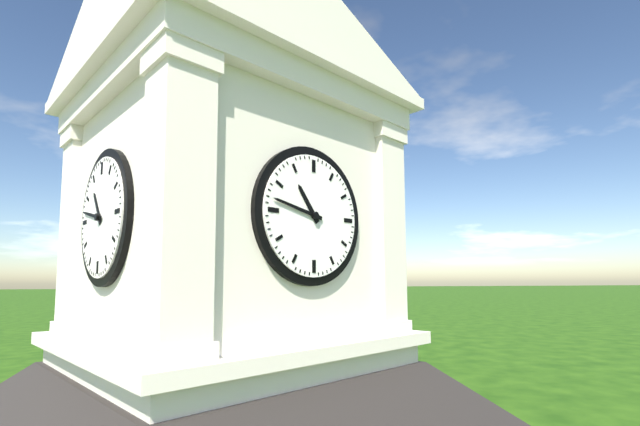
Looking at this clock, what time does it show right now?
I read 10:47
